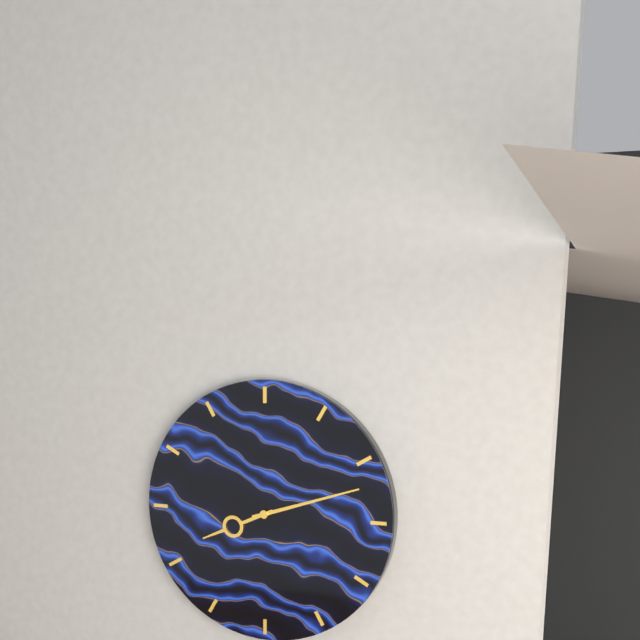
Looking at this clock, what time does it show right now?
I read 8:12
